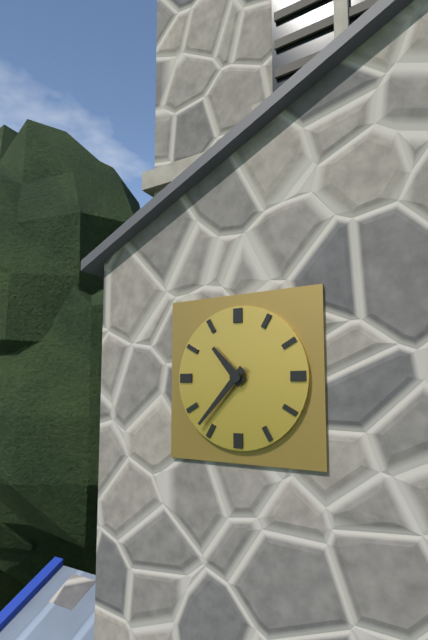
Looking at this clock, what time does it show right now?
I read 10:37
